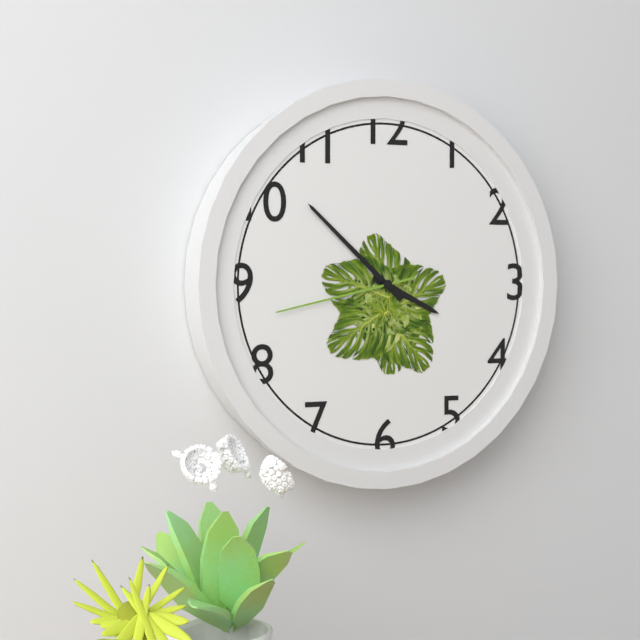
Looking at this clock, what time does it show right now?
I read 3:52:43
